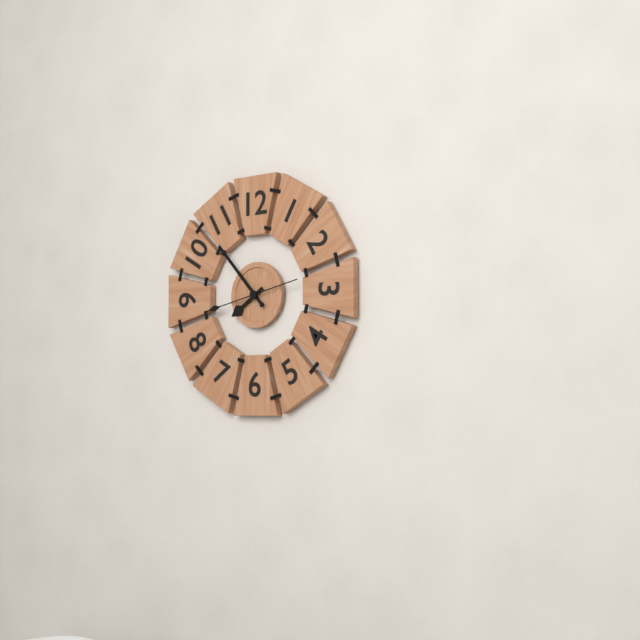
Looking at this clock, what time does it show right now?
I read 7:53:43
